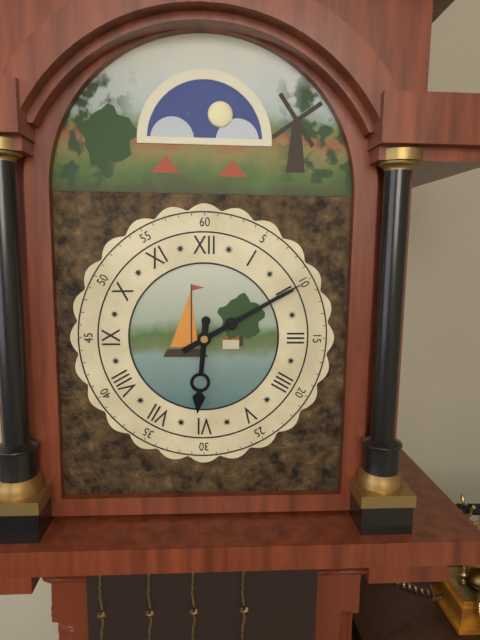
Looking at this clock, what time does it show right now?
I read 6:10
